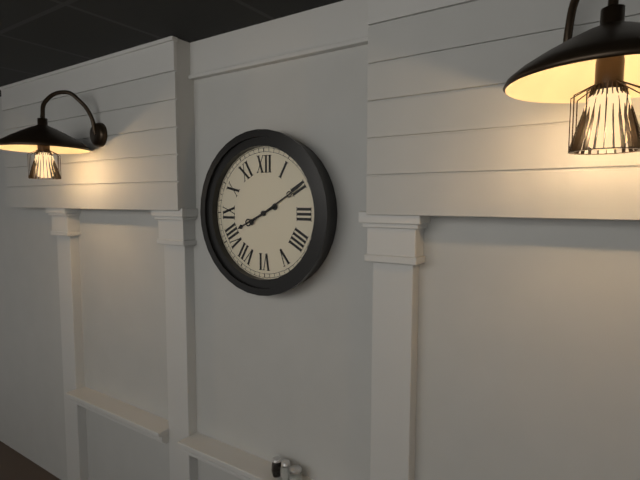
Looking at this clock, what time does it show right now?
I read 8:10
